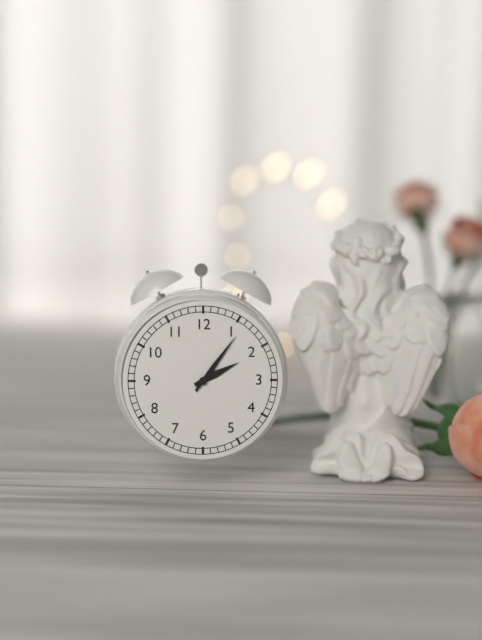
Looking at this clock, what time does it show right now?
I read 2:06
